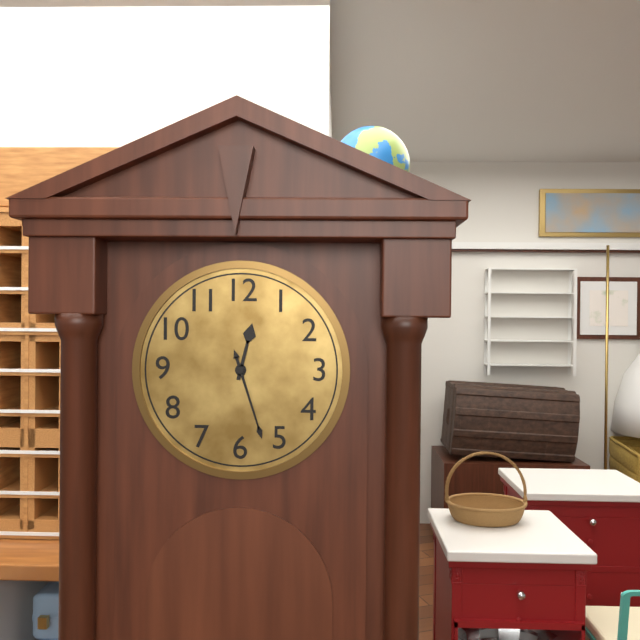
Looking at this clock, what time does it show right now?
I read 12:27
